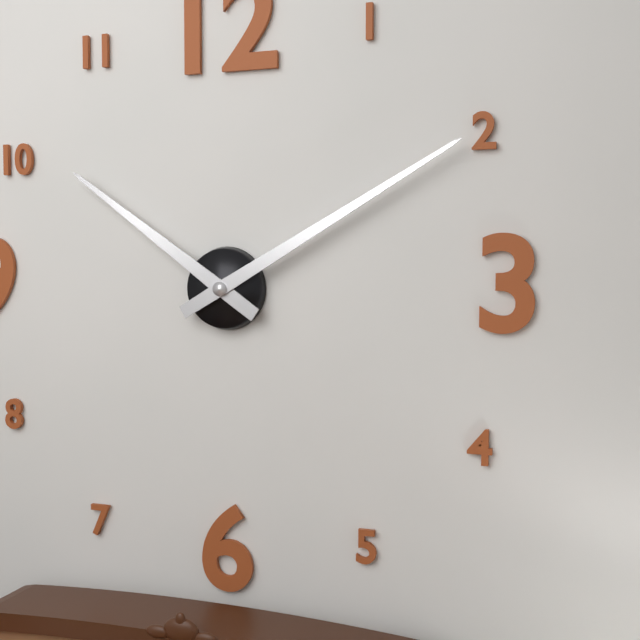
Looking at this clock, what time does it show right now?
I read 10:10
